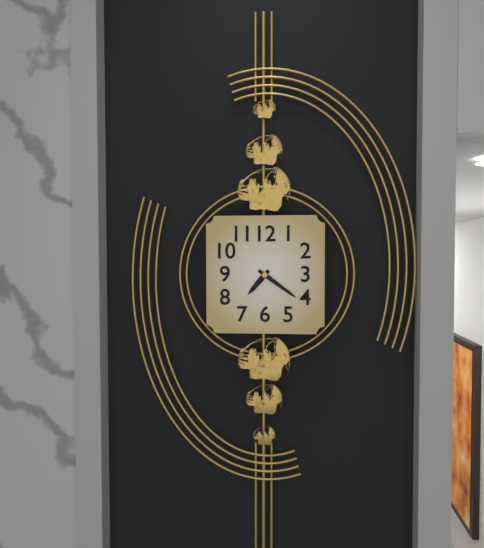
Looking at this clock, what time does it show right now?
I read 7:21
